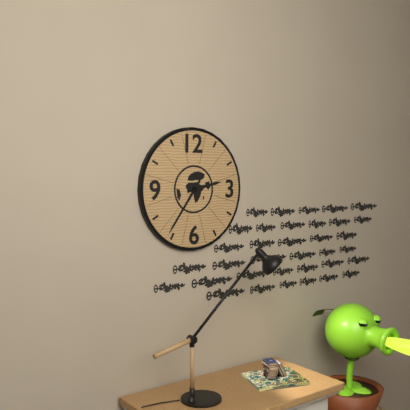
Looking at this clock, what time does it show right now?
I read 2:36
